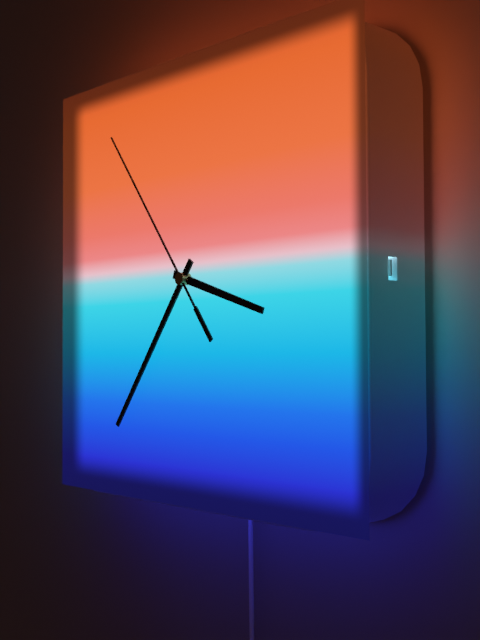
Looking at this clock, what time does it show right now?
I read 3:36:54
